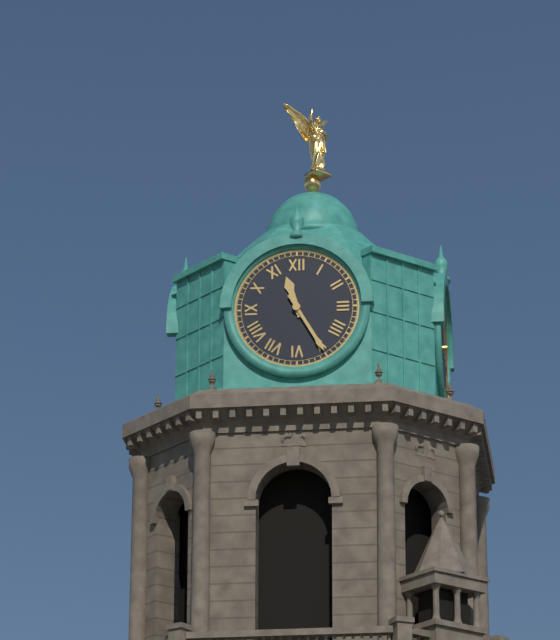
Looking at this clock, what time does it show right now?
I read 11:25
